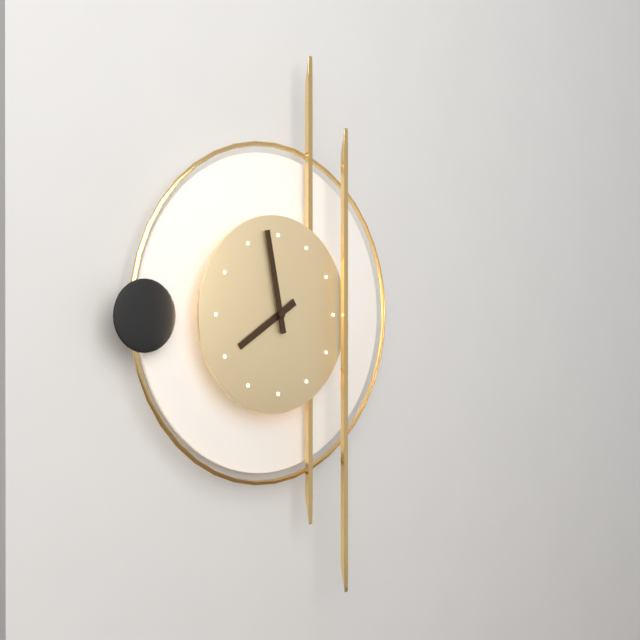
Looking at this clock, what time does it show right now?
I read 7:58
